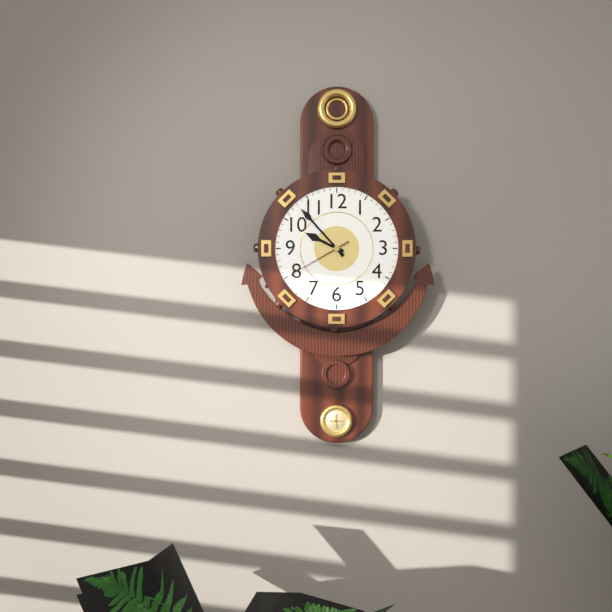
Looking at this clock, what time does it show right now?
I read 9:53:40
